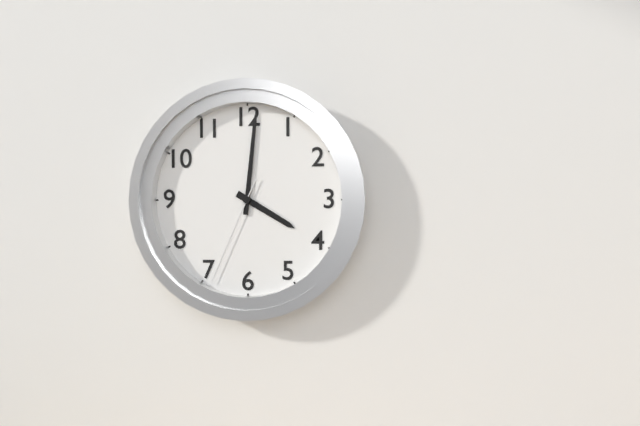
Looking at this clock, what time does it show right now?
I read 4:01:34
